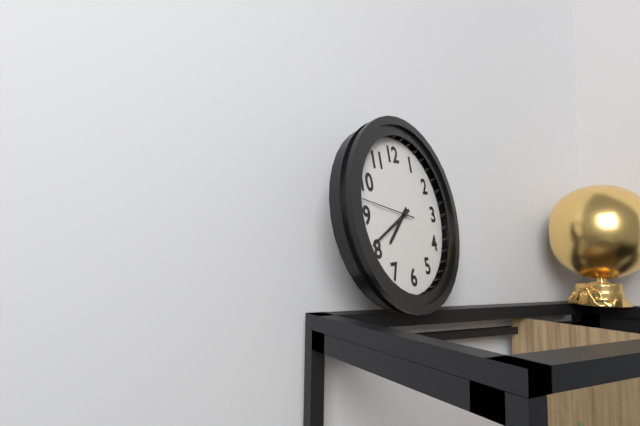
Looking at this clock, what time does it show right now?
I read 7:41:47
